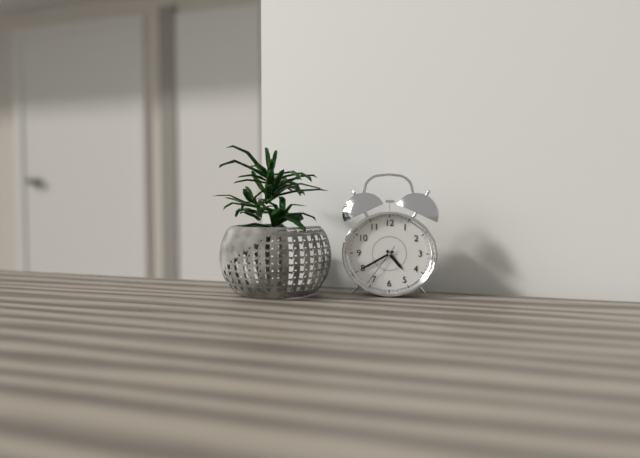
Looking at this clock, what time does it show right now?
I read 4:40
